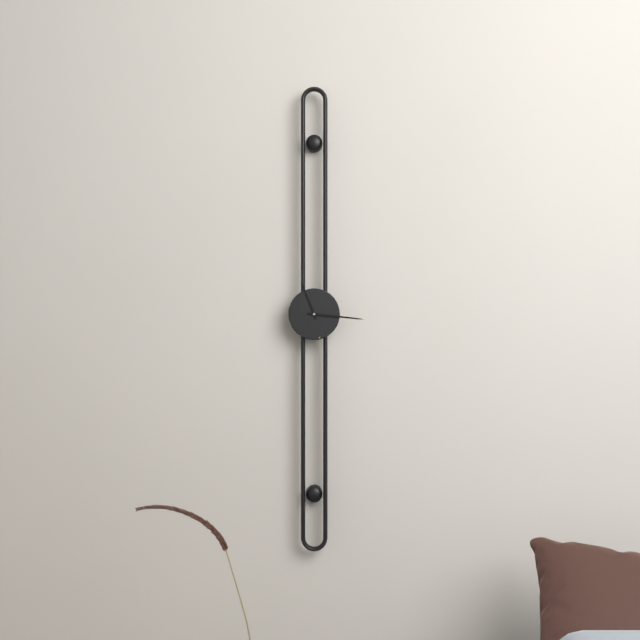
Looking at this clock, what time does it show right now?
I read 11:16
